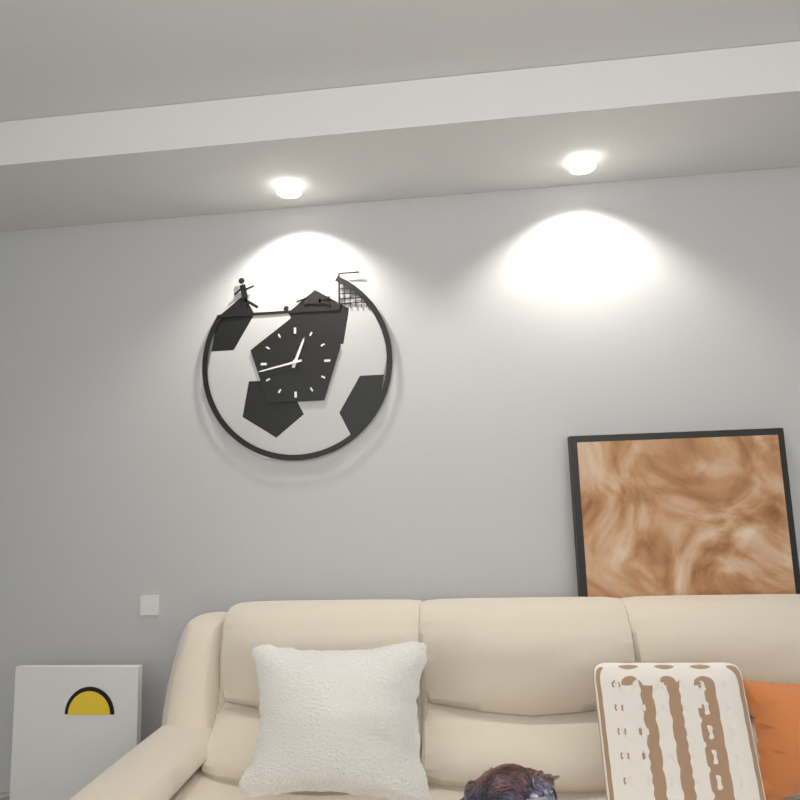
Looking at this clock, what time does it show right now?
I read 12:43
